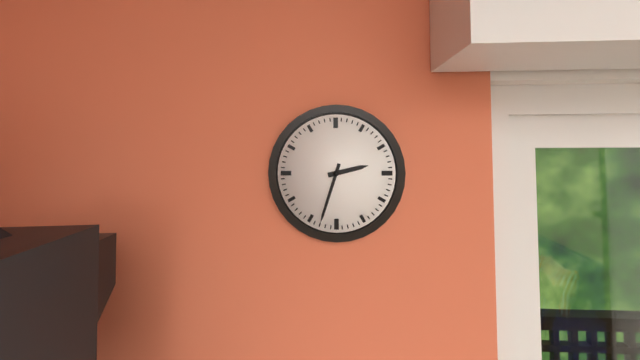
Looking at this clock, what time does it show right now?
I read 2:33
